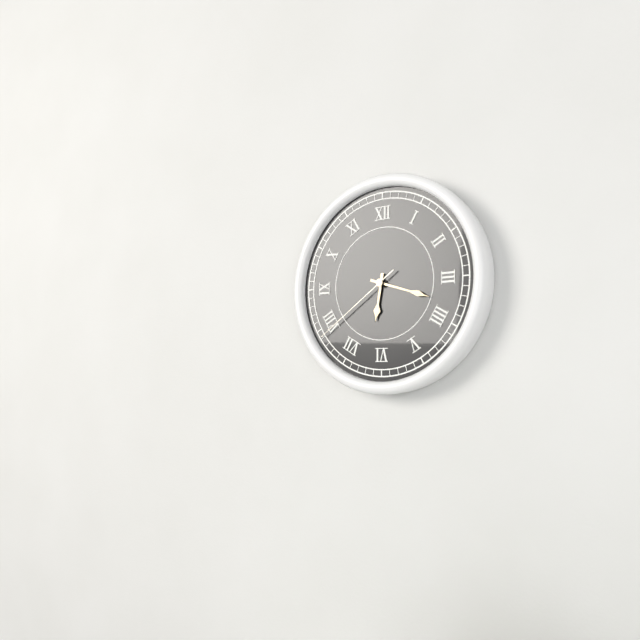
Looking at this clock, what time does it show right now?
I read 6:18:39
